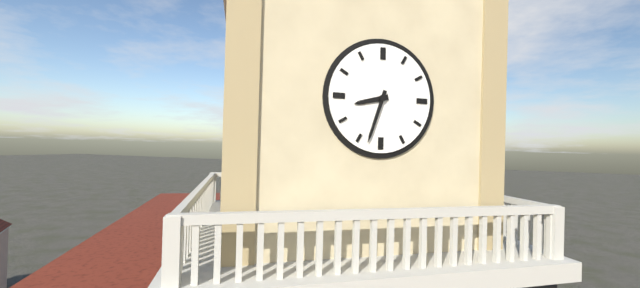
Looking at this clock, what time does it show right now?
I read 8:33
